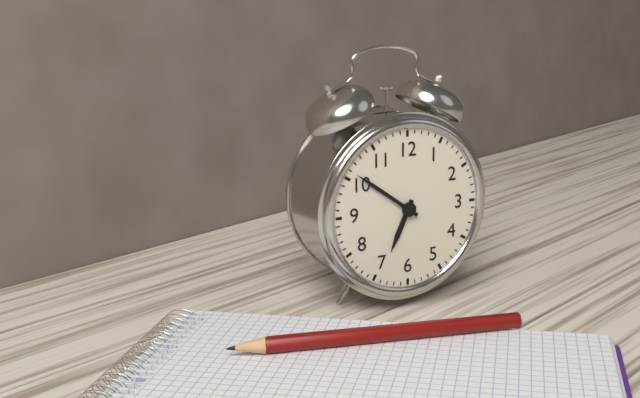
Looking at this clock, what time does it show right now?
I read 6:51
